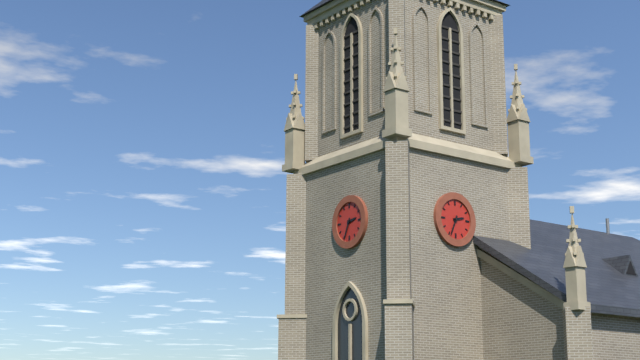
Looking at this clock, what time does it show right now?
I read 2:34
